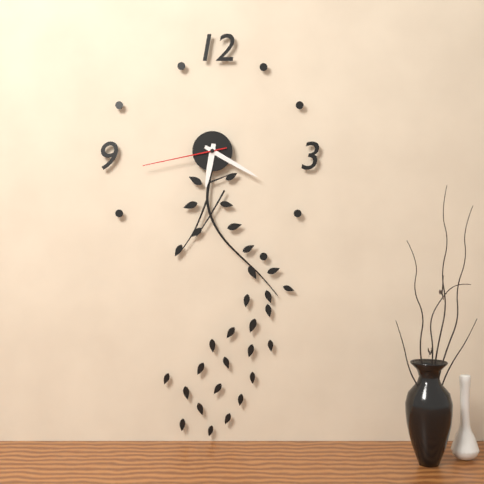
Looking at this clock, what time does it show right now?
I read 6:20:43
